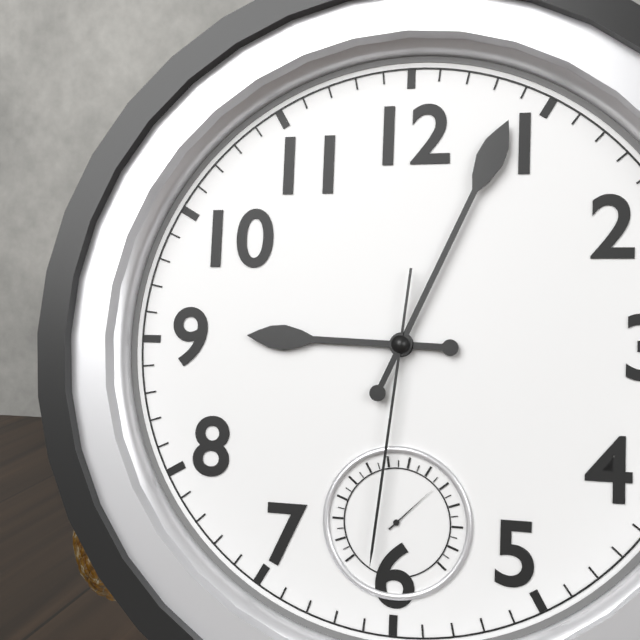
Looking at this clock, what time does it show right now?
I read 9:04:31
